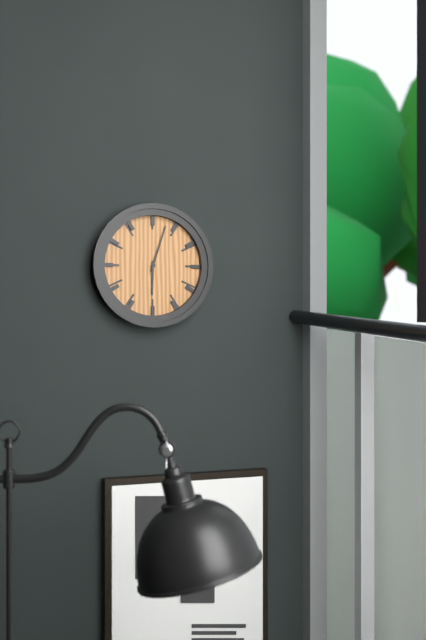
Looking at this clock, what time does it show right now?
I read 6:03
